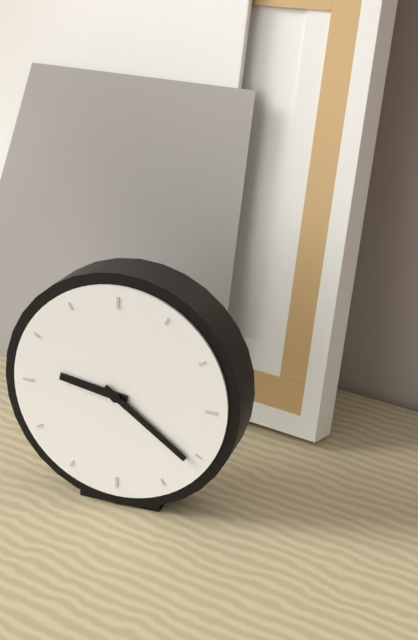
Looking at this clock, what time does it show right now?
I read 9:21
